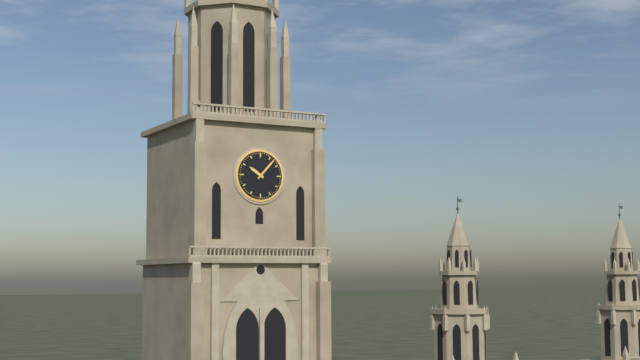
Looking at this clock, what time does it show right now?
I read 10:07
